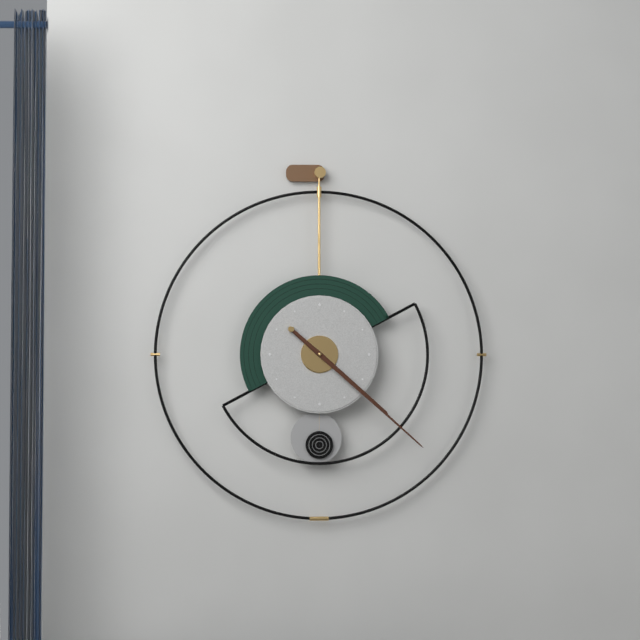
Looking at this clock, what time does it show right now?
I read 4:22
